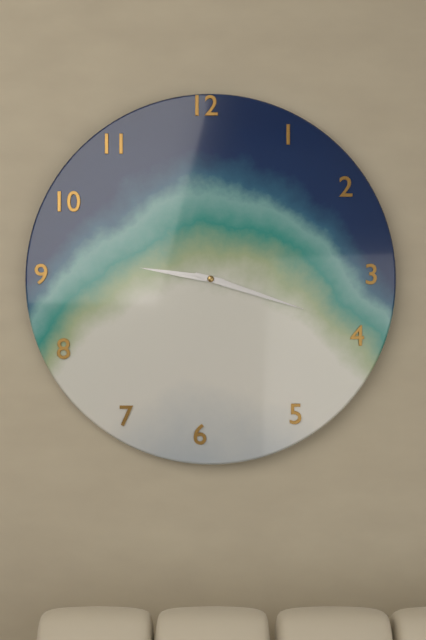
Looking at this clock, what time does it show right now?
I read 9:18
